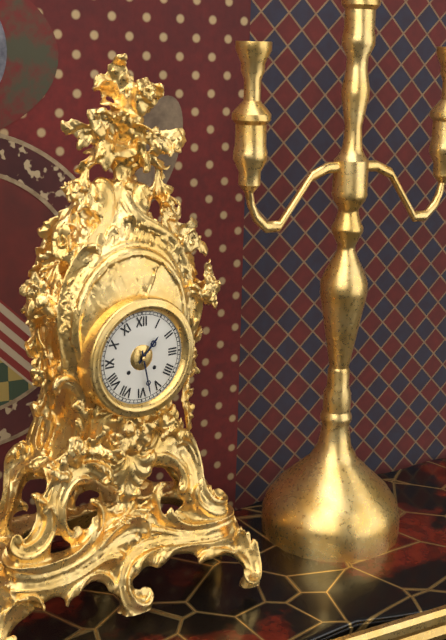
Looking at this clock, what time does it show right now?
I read 1:28
